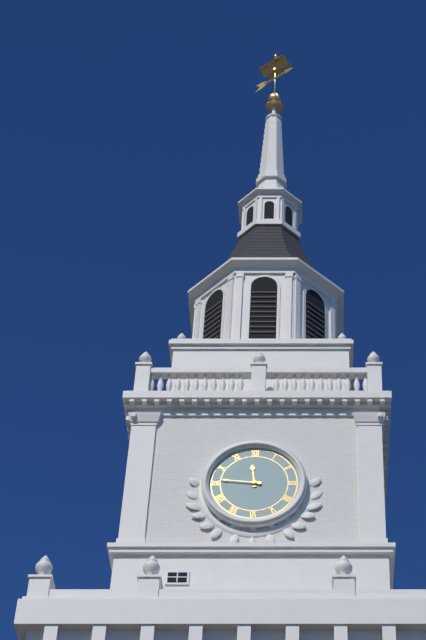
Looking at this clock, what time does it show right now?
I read 11:46
